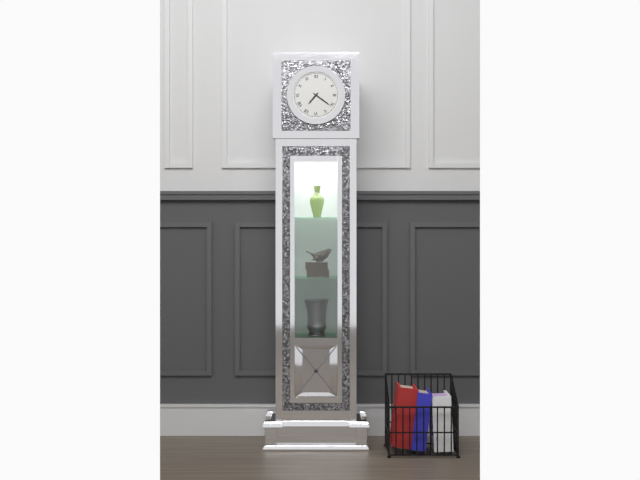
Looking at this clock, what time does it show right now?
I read 7:21
